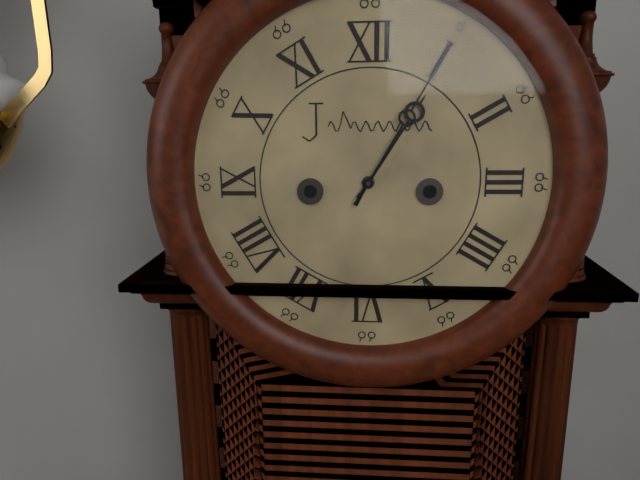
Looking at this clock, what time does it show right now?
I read 1:05
